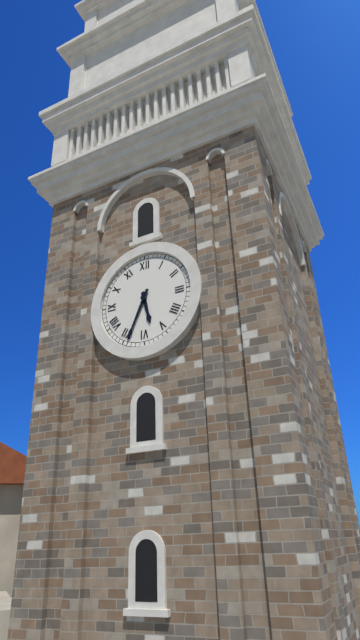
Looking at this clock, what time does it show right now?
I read 5:34
